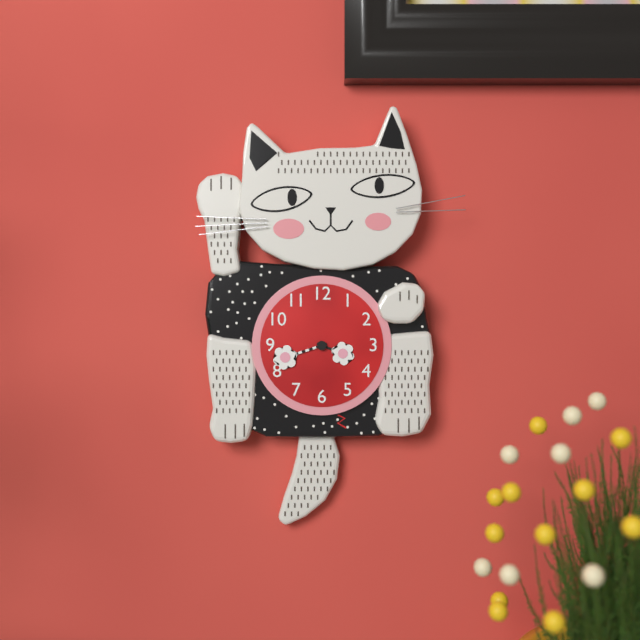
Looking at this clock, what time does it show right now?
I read 3:42
